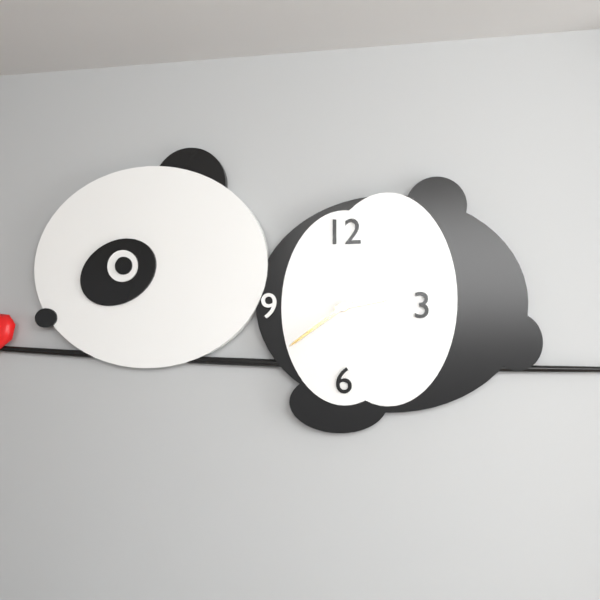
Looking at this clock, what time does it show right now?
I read 2:39
